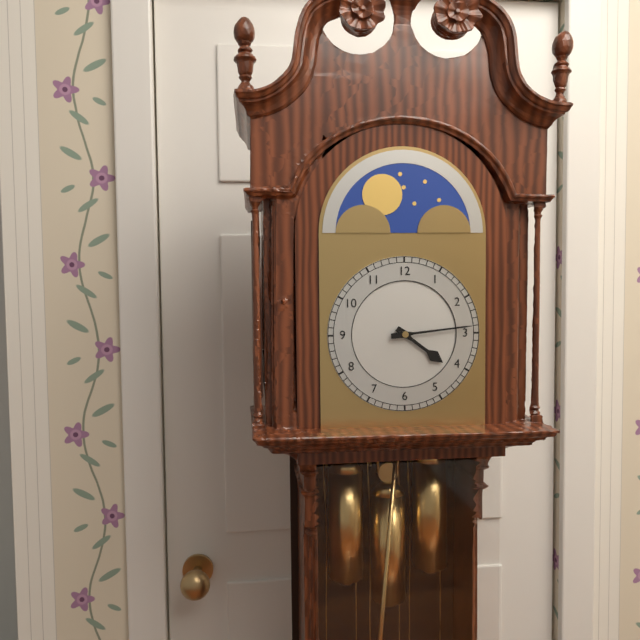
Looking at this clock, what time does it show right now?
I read 4:14
